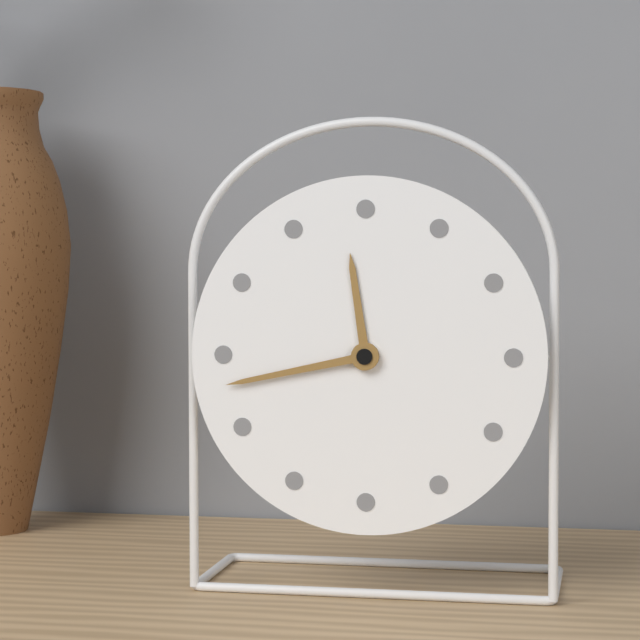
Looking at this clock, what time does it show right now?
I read 11:43
